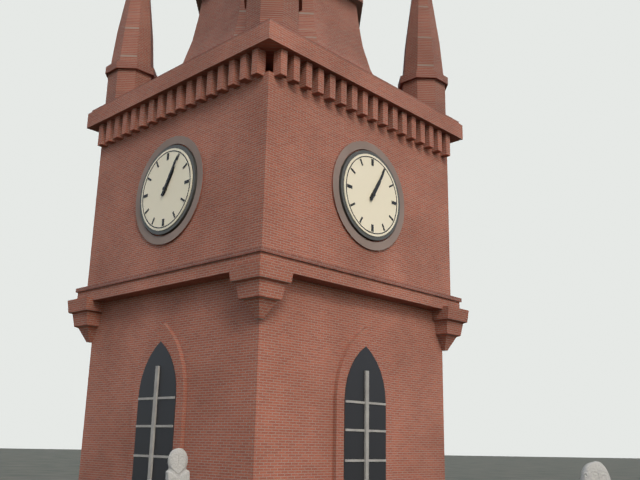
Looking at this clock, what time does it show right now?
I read 1:05
